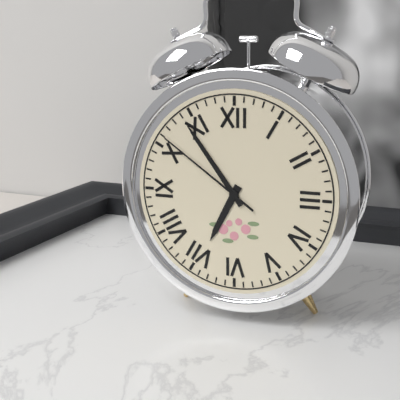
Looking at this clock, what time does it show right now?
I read 6:54:51
